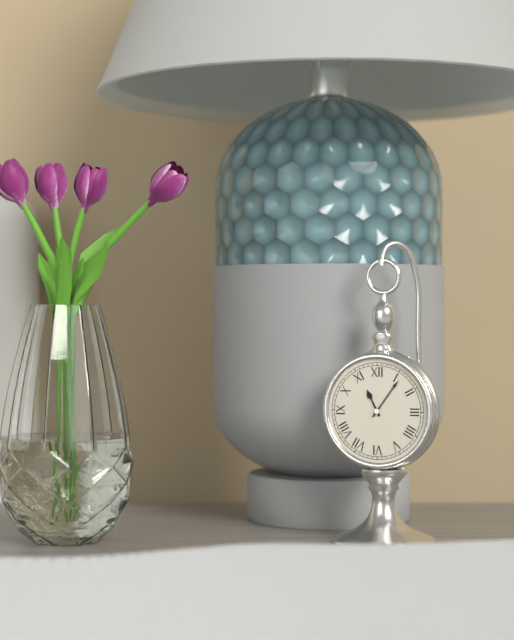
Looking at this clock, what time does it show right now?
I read 11:06
